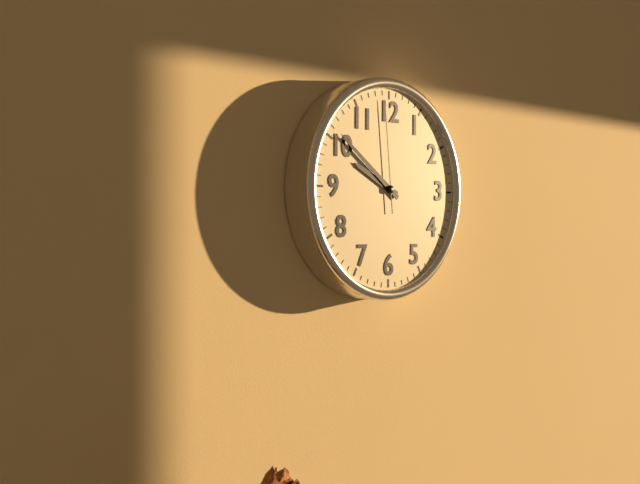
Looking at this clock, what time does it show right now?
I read 9:51:59
